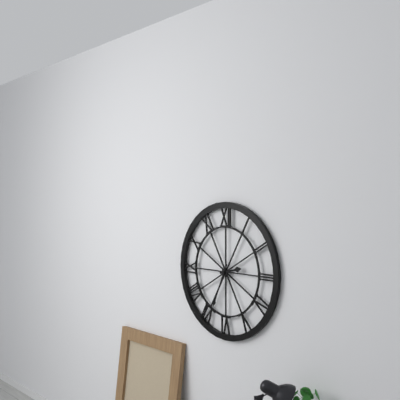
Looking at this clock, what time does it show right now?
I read 2:34
